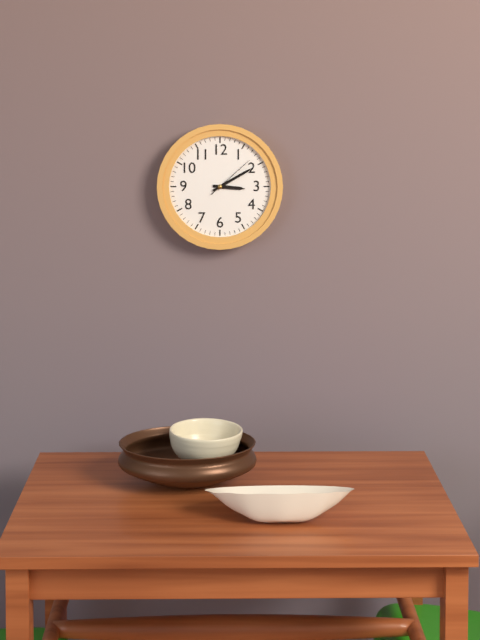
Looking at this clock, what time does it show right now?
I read 3:10
